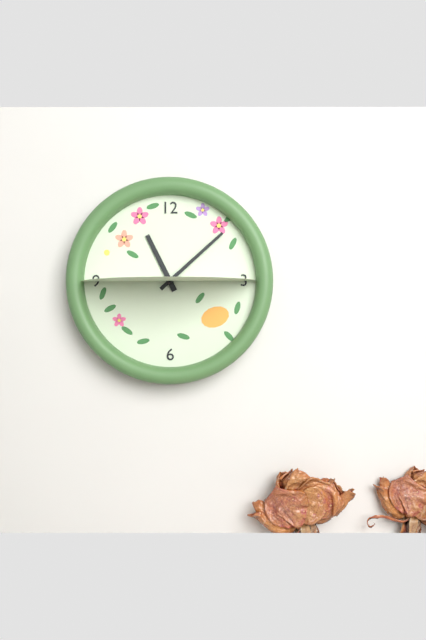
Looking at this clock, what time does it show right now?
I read 11:08
